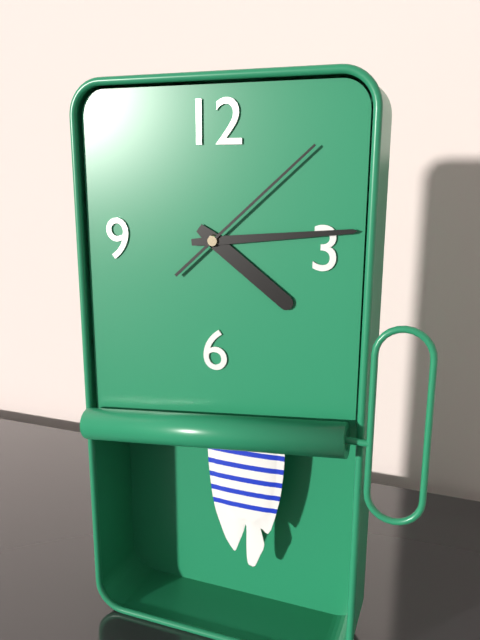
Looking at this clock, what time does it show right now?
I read 4:14:08
